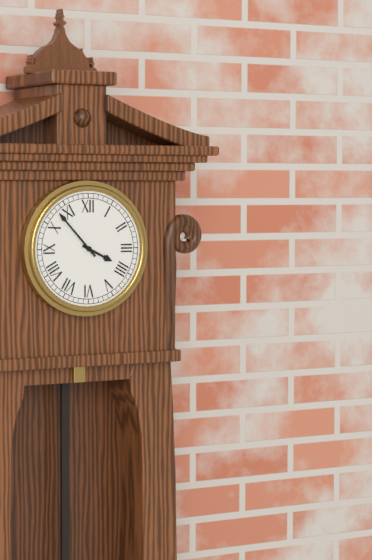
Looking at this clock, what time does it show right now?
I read 3:53
